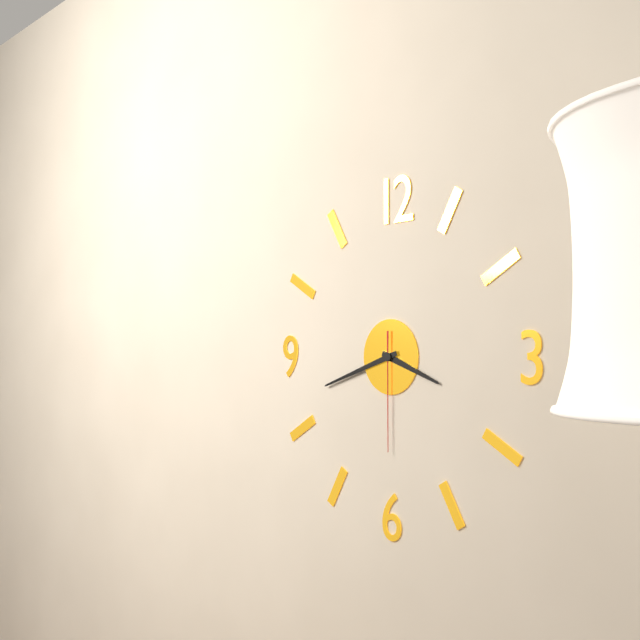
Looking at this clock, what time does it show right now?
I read 3:42:30
